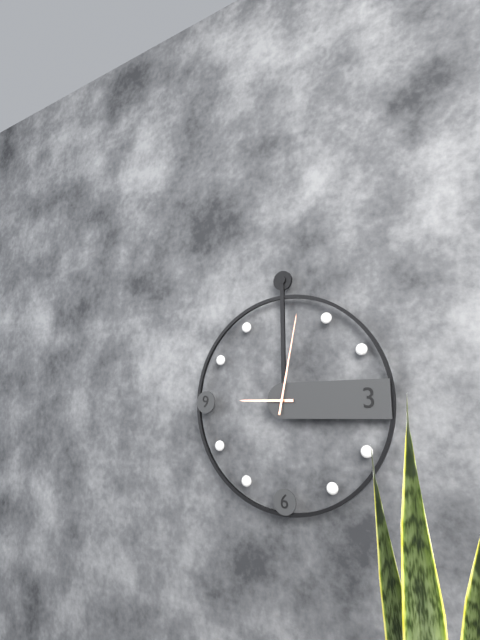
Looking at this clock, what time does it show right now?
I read 9:02
